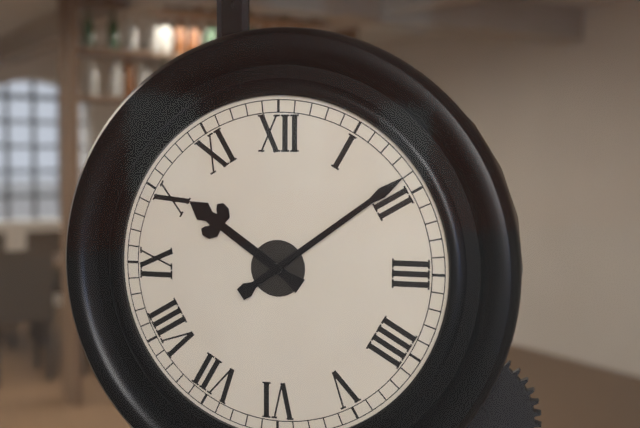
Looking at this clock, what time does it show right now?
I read 10:09
